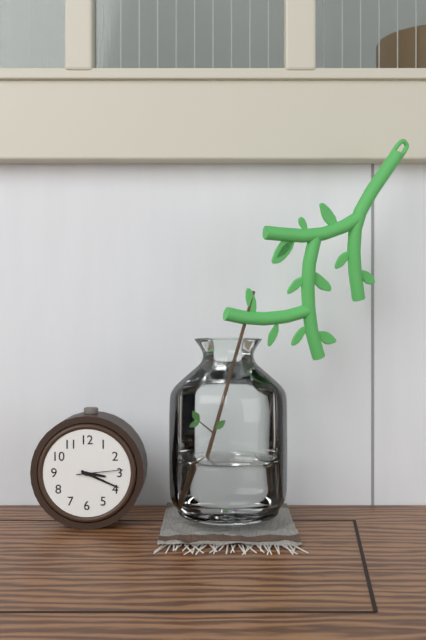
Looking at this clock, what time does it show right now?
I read 3:19
